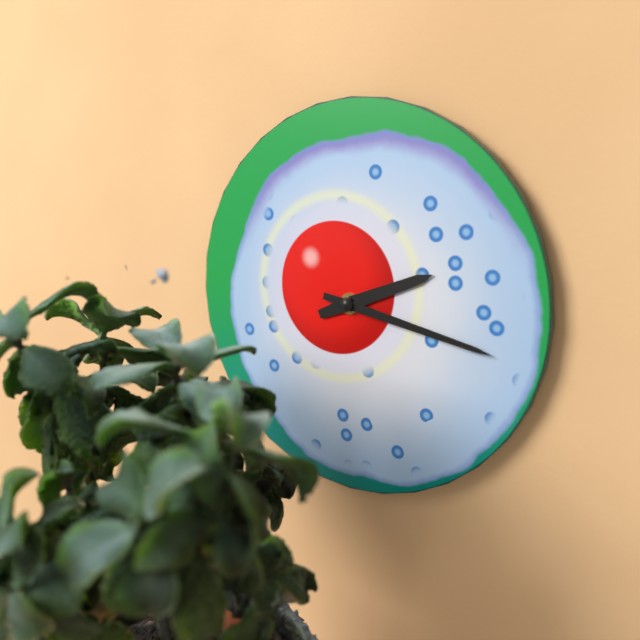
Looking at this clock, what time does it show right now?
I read 2:17
